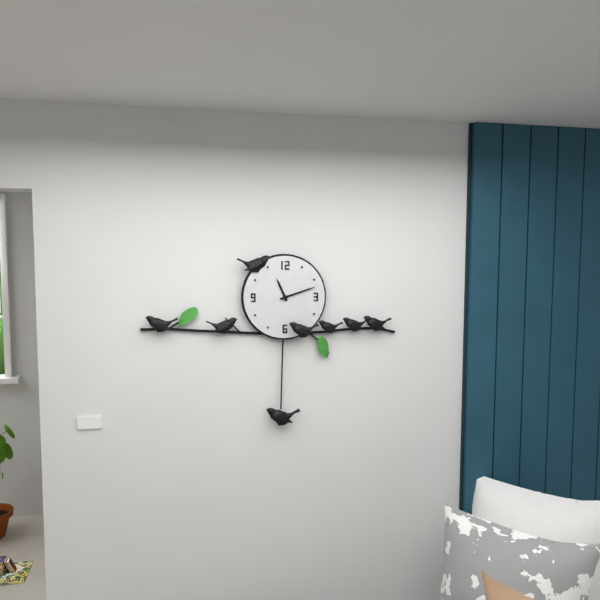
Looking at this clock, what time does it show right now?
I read 11:12
